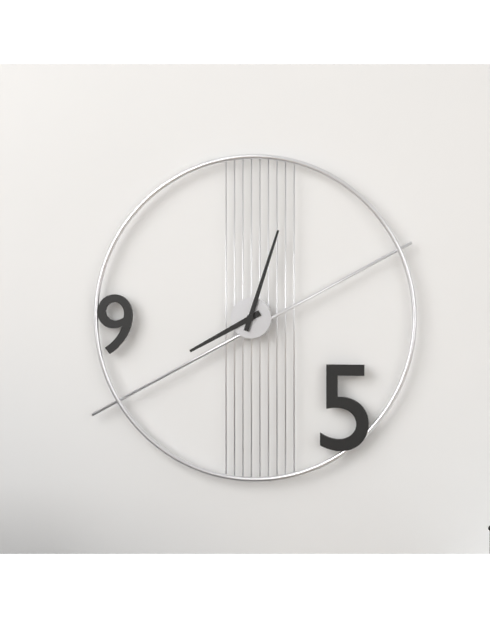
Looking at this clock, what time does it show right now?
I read 8:03
